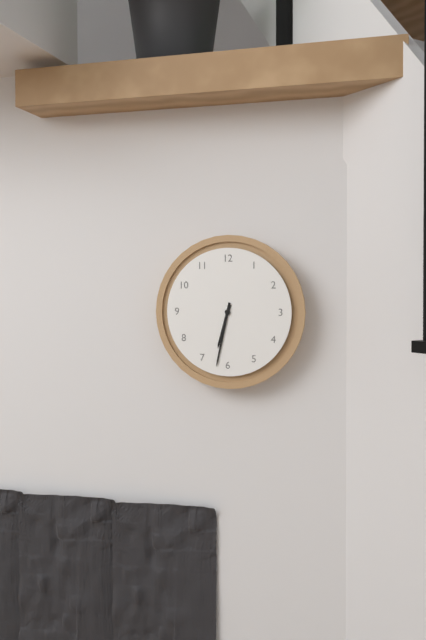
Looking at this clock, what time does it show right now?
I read 6:32
